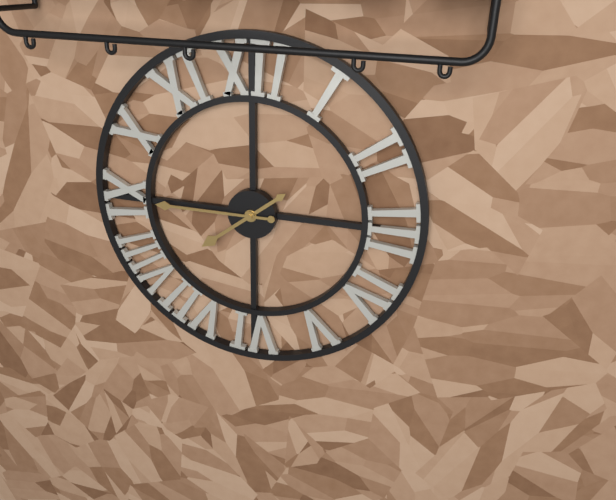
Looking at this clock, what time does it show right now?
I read 7:45
